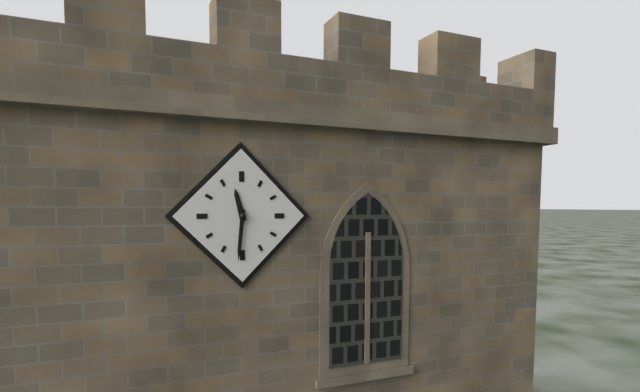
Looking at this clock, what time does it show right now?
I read 11:31
